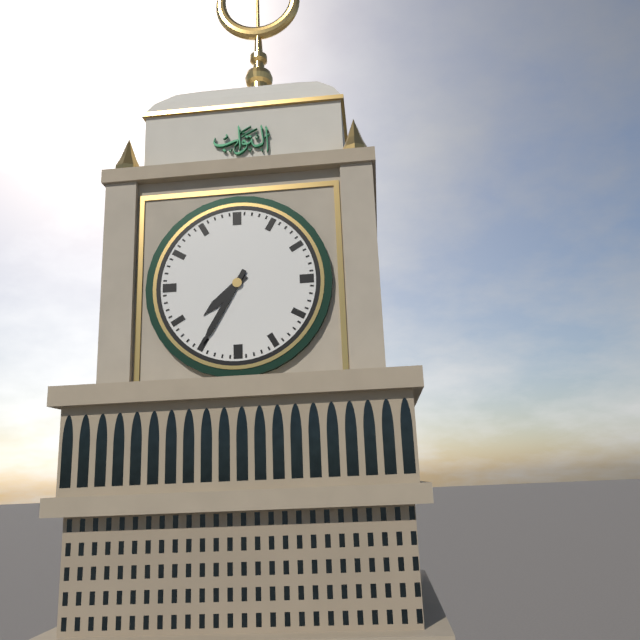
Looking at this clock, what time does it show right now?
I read 7:35
